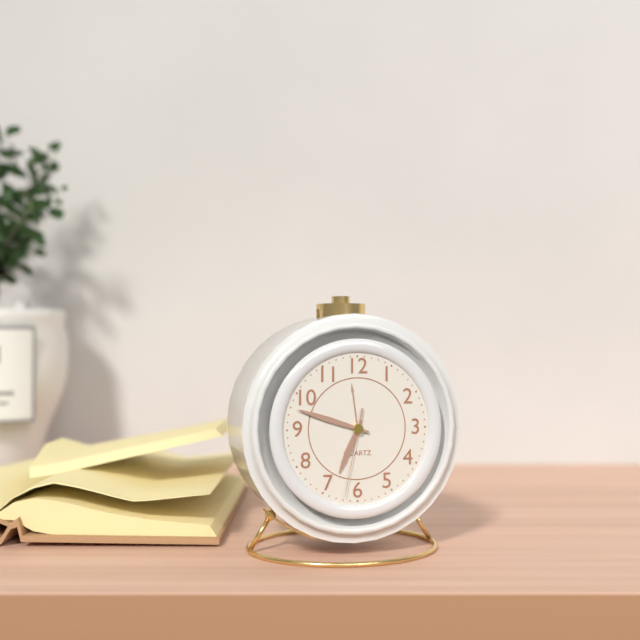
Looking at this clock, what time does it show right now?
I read 6:48:32
